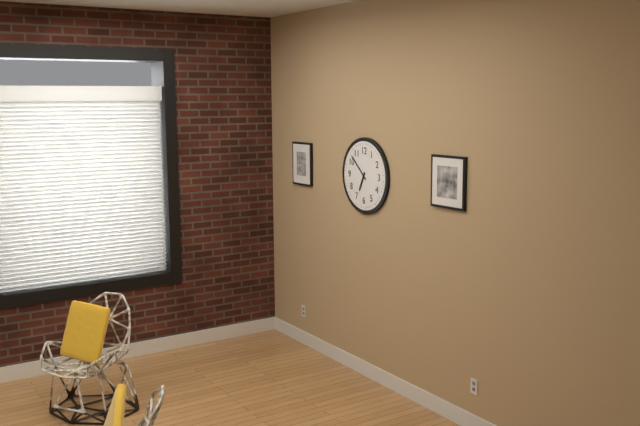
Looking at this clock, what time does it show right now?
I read 6:52
